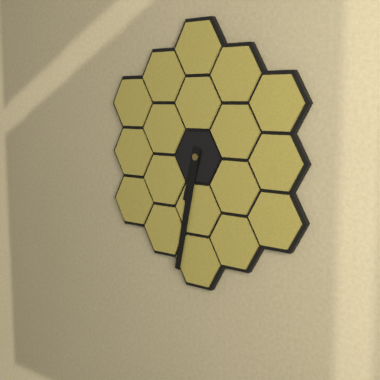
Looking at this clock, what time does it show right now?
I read 6:32
